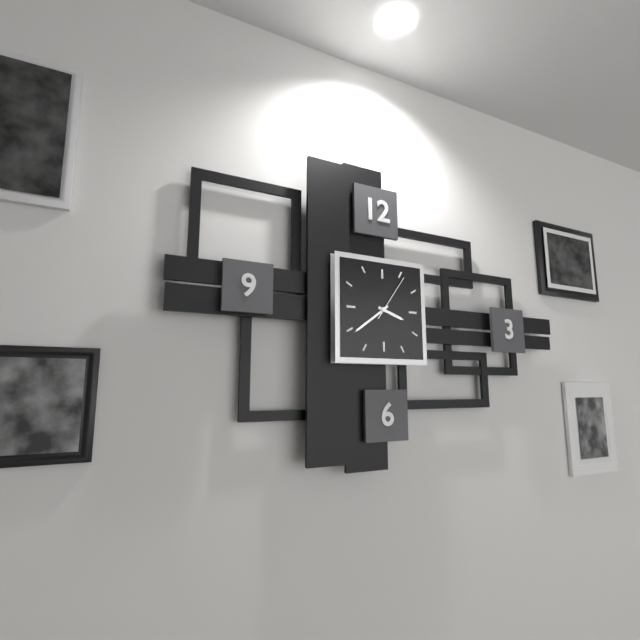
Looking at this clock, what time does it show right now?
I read 3:39
